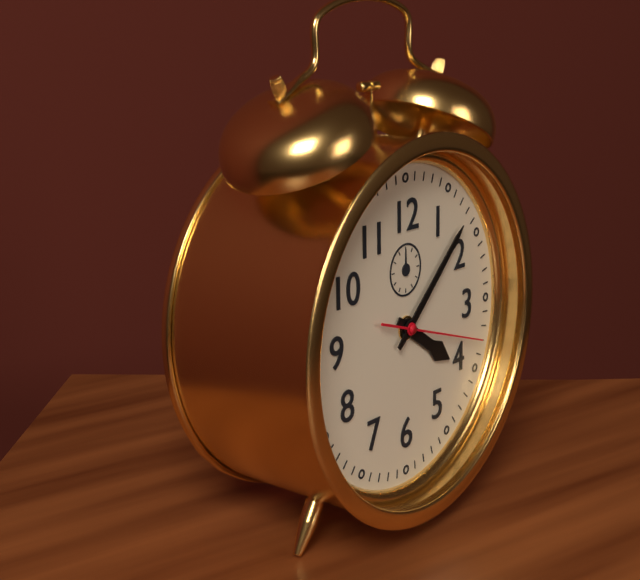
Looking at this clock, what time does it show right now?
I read 4:08:18
